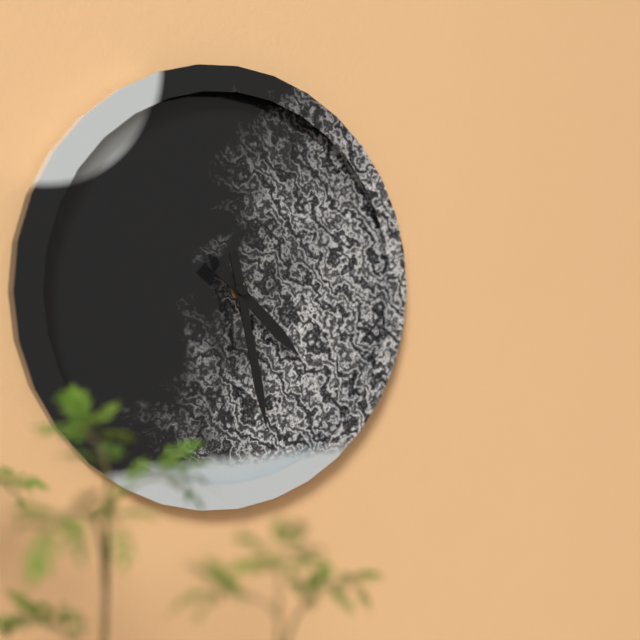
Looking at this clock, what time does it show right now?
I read 4:28
